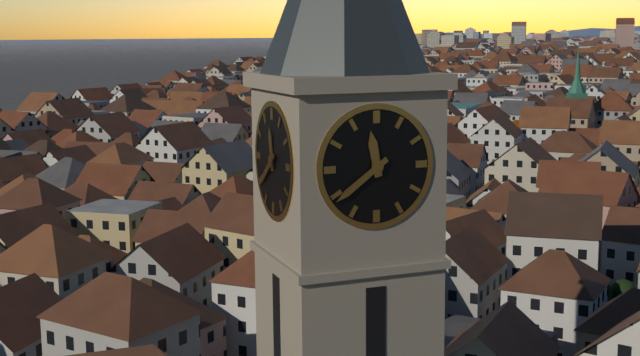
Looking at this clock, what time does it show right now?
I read 11:39
